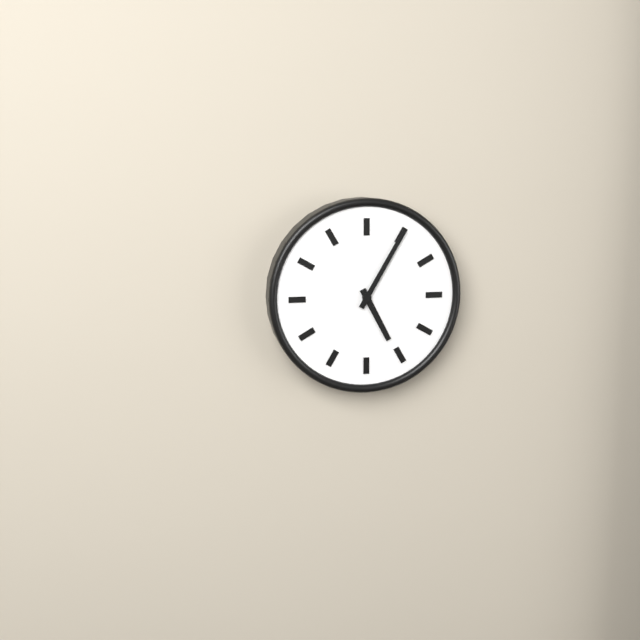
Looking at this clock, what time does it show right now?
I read 5:05
